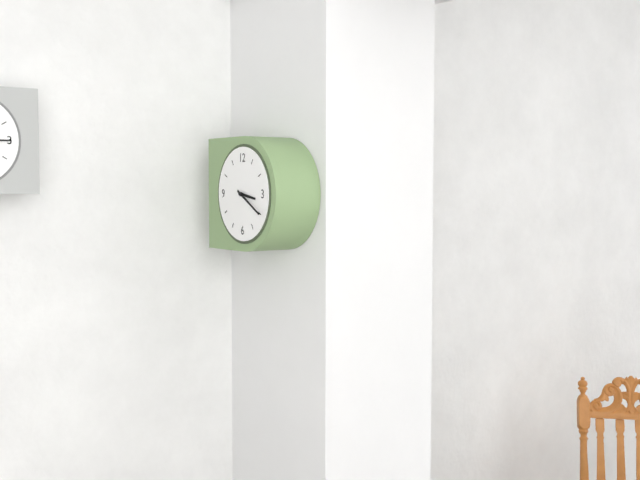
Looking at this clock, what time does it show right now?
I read 3:20
